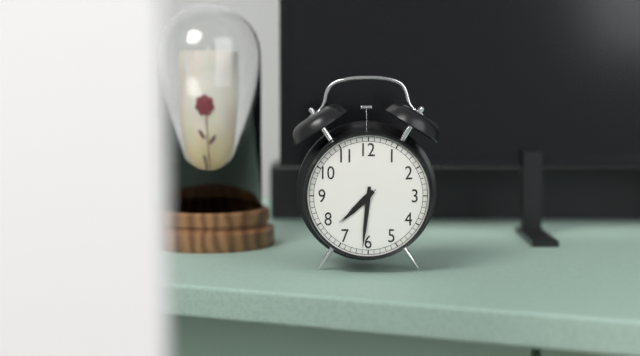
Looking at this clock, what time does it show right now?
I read 7:31:38
